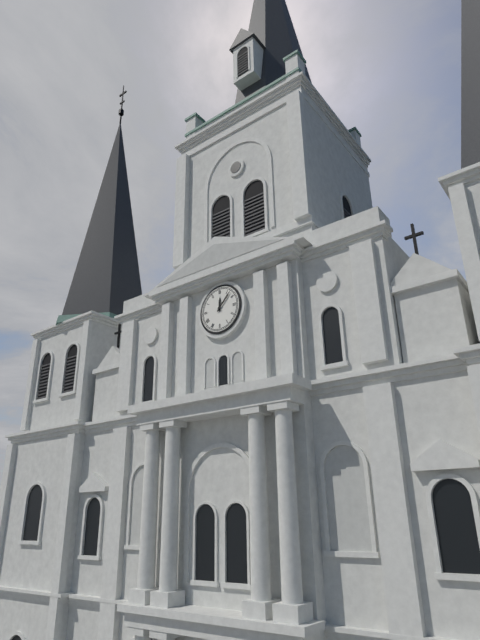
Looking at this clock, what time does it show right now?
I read 12:07
